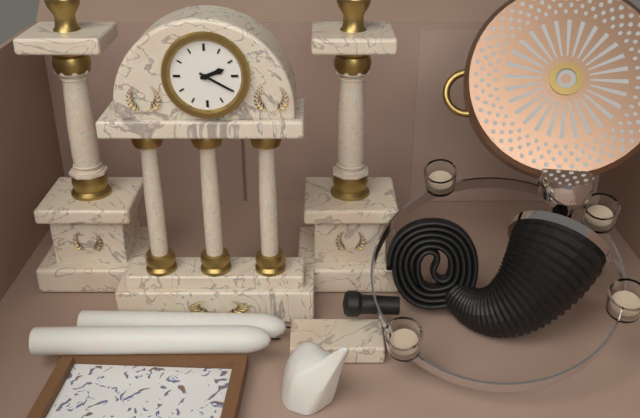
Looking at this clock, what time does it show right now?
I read 2:20
